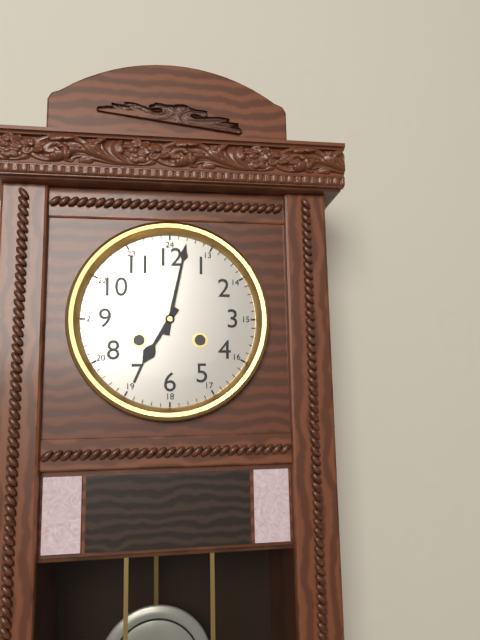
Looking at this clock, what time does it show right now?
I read 7:02
